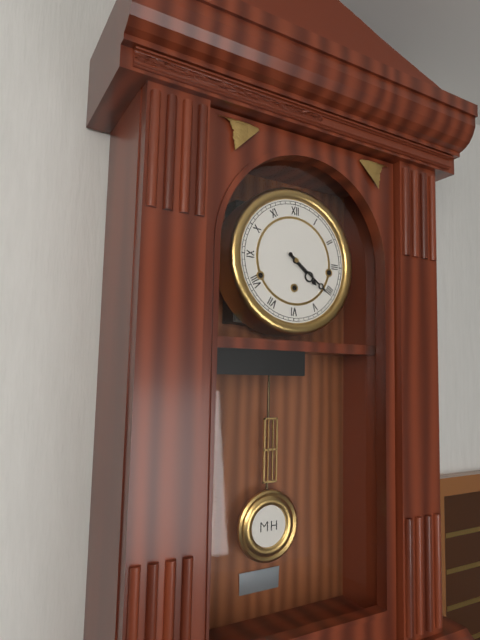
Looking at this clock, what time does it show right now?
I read 4:21
